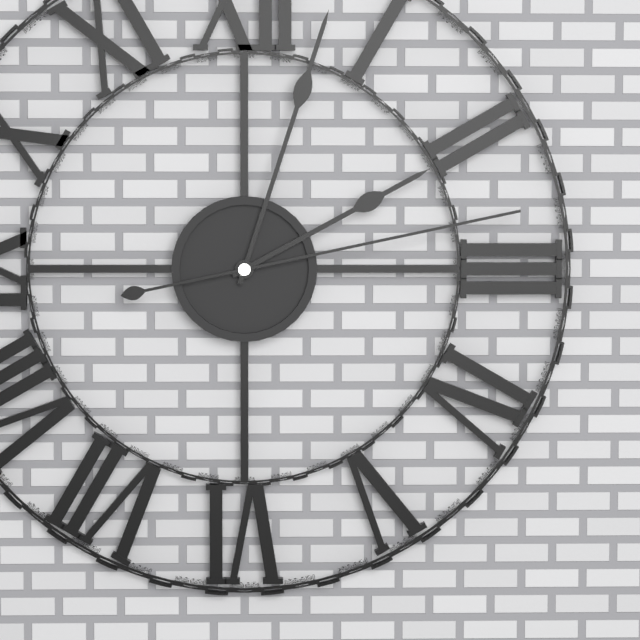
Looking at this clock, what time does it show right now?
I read 2:03:13
